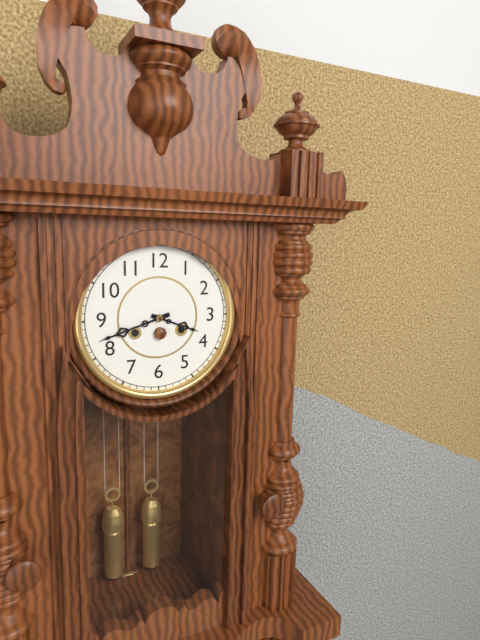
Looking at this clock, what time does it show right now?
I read 3:42
